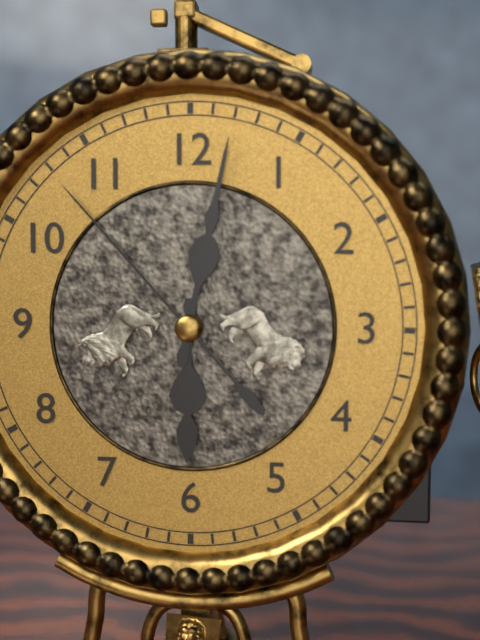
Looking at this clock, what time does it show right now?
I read 6:02:53
